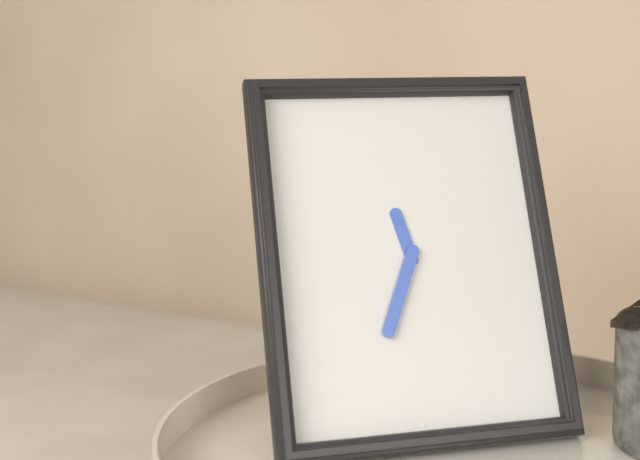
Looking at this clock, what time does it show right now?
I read 11:34
